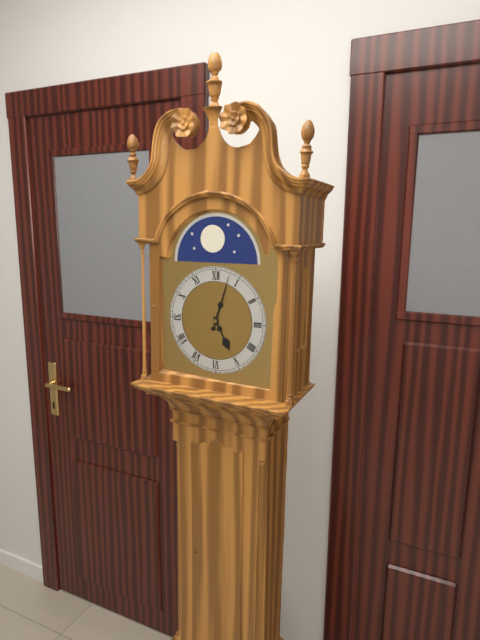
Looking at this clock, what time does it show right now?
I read 5:03
